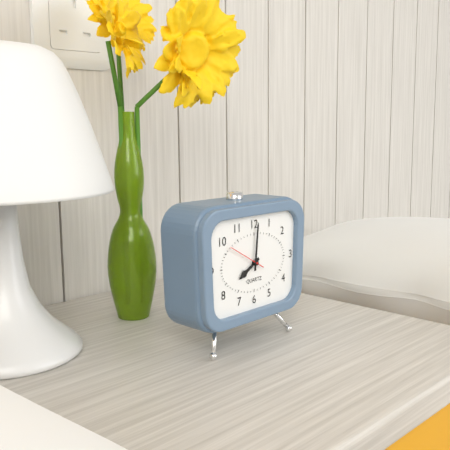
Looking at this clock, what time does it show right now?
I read 8:01
